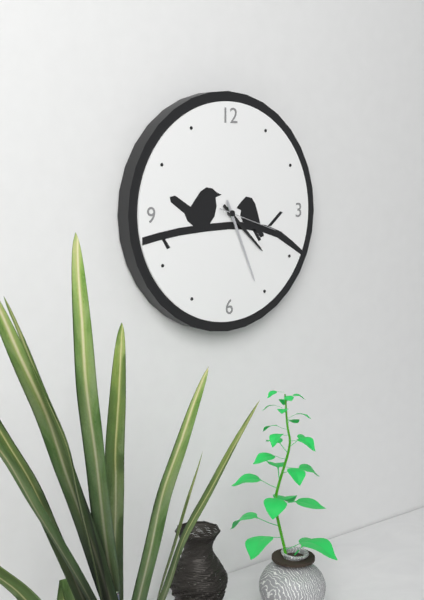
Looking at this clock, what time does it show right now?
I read 4:26:18
